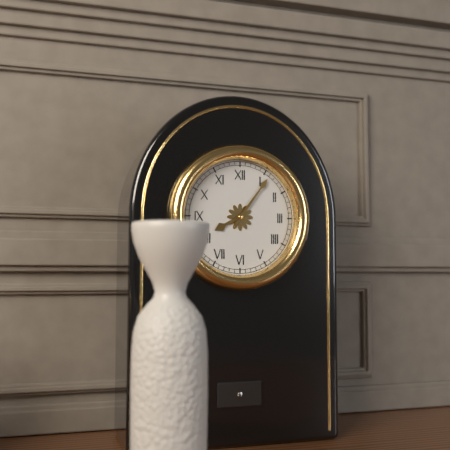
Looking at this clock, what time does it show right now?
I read 8:06
